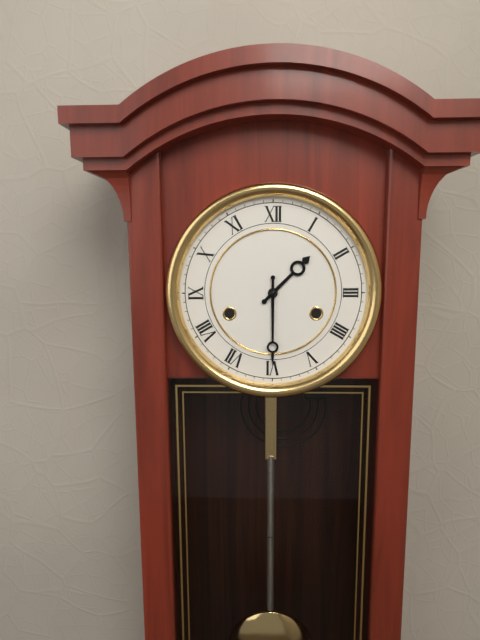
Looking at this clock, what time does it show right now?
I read 1:30
